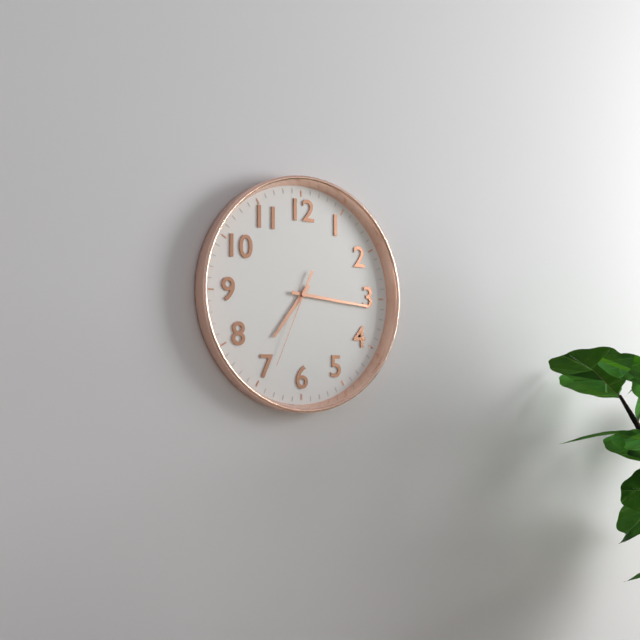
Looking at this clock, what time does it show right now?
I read 7:16:34
